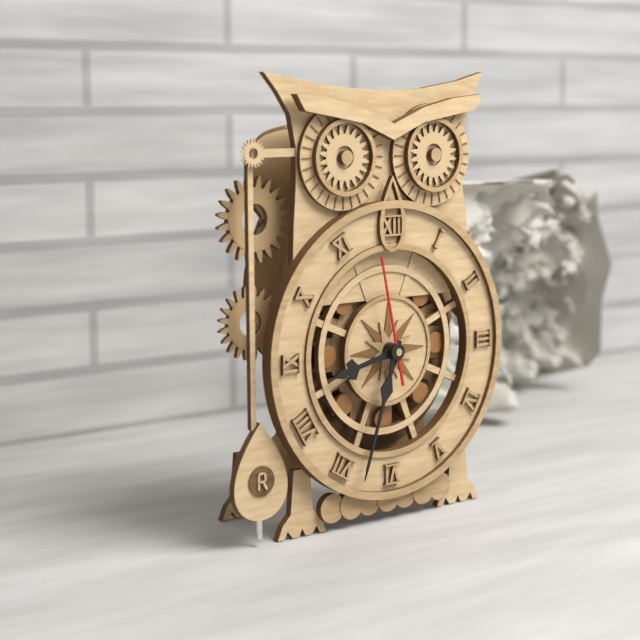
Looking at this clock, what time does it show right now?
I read 8:33:58
